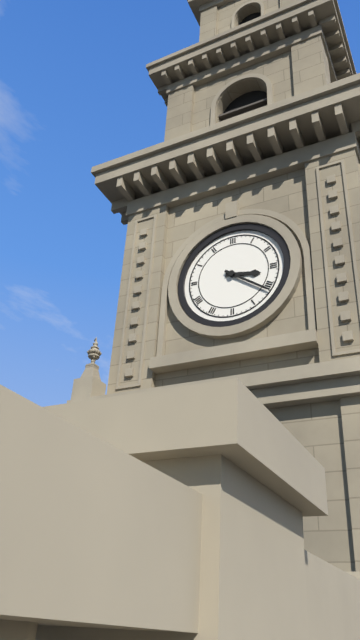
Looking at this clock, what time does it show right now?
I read 3:21
